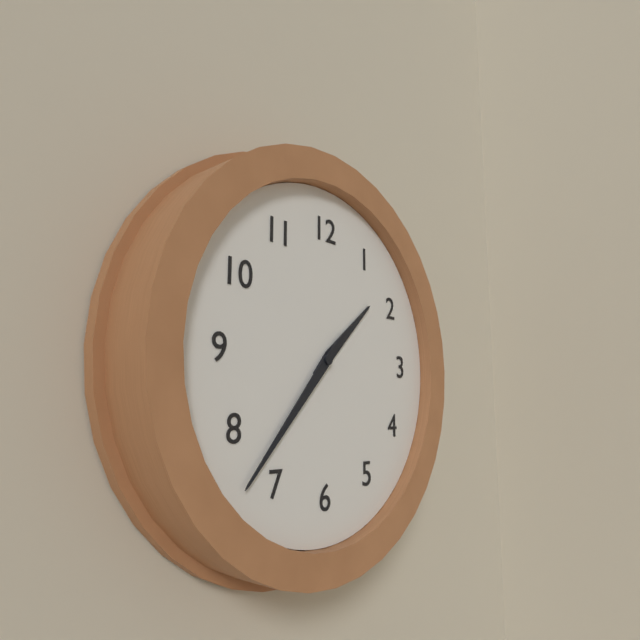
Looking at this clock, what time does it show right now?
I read 1:37
